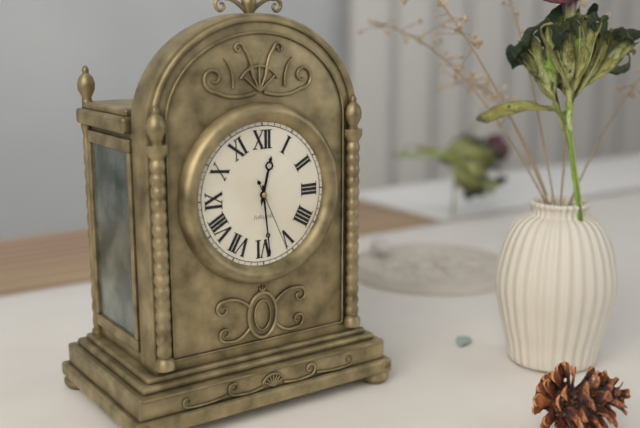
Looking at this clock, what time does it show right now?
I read 12:29:26
